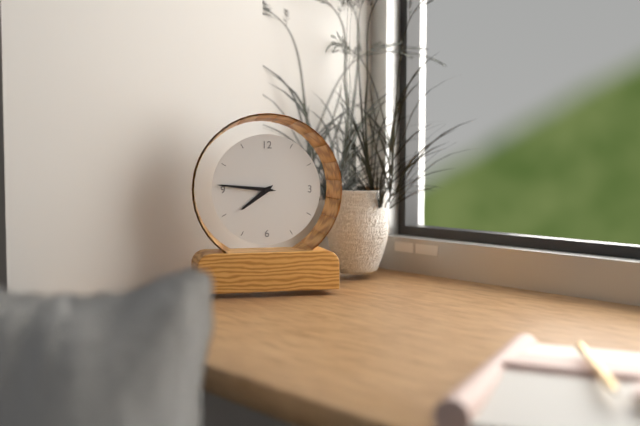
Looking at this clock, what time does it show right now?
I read 7:46
